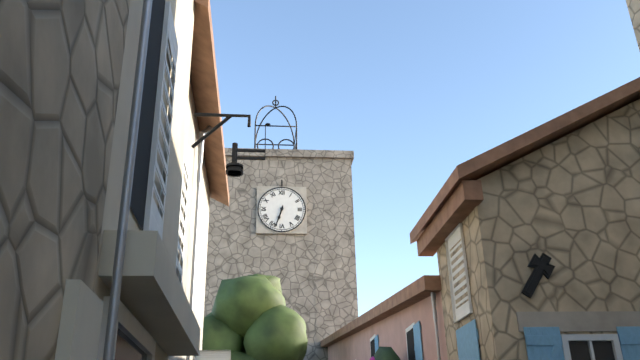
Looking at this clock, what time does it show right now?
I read 6:33
